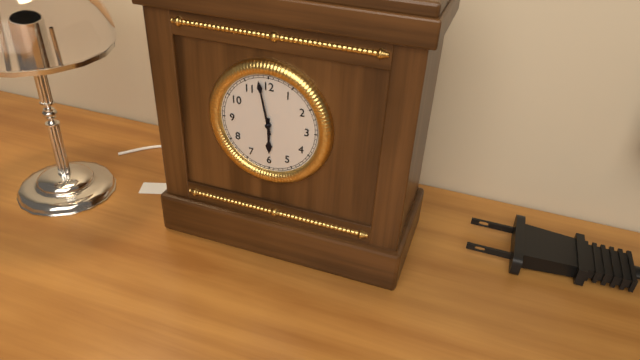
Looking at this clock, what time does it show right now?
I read 5:58
